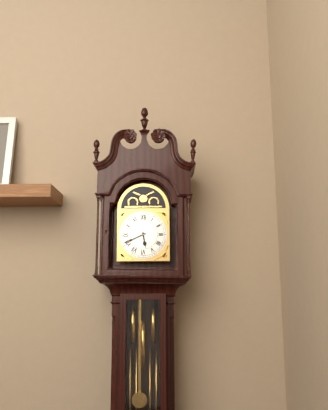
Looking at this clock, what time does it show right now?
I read 5:41
